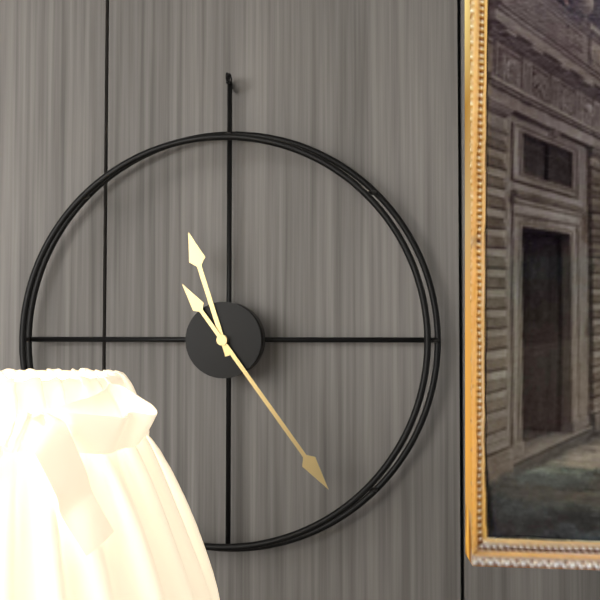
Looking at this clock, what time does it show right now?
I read 11:24
